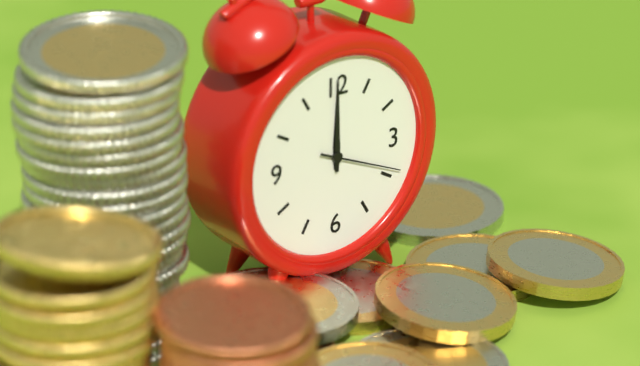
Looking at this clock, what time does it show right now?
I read 12:00:19
